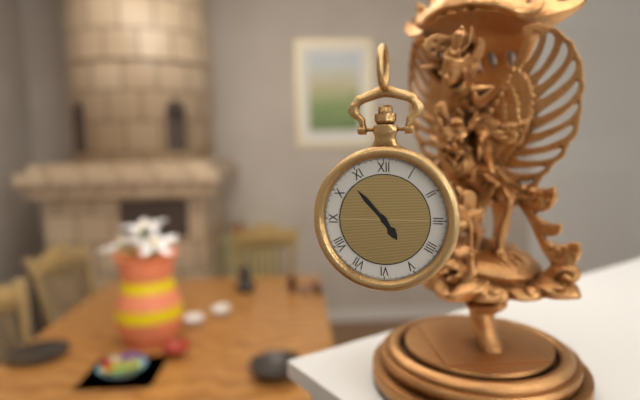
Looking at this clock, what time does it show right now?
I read 4:53
